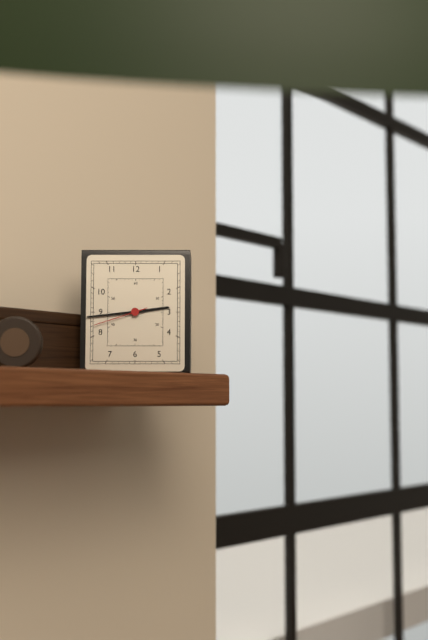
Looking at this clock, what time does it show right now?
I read 2:44:42
